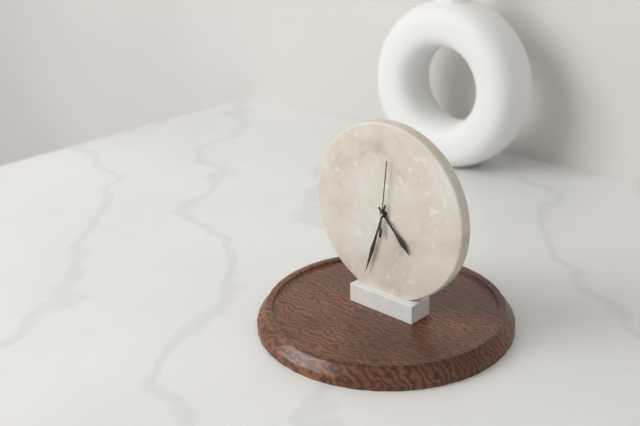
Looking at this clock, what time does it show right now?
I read 4:33:01
